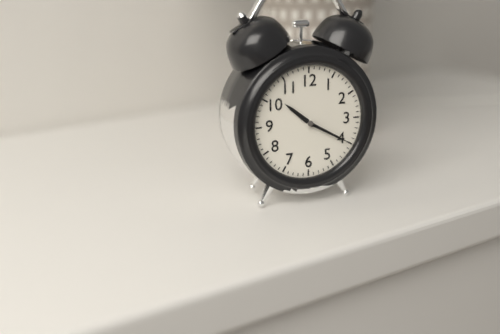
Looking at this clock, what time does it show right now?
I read 10:20
